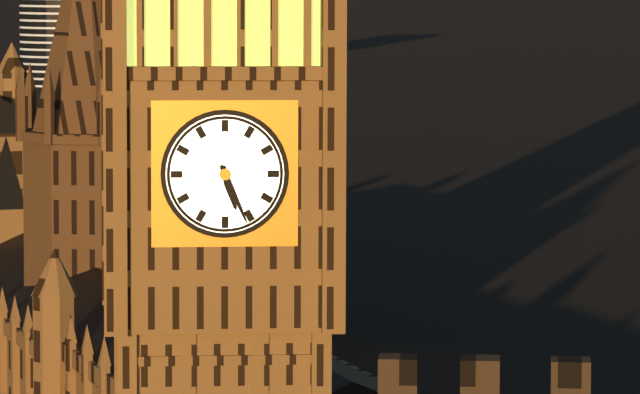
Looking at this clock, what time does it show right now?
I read 5:26
